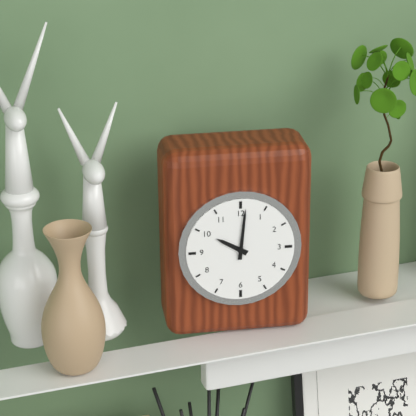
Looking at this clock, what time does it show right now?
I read 10:01
